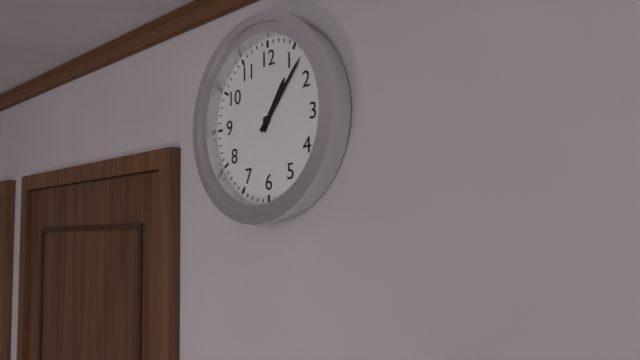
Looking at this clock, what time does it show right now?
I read 1:07
